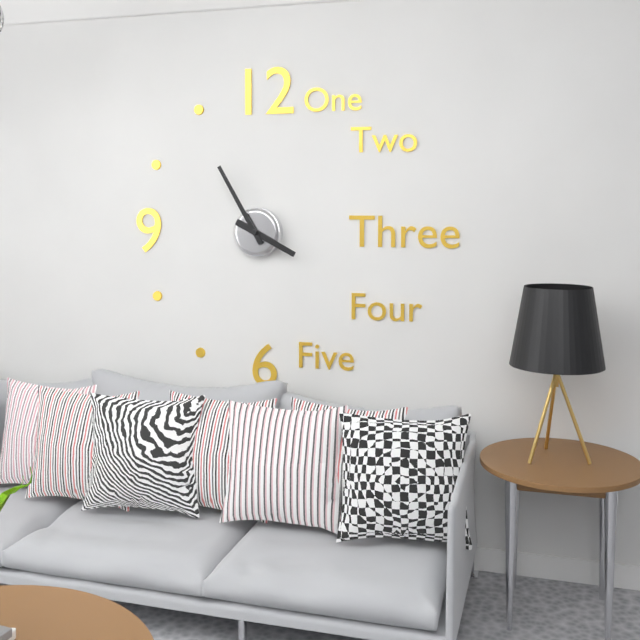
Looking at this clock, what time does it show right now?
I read 3:55
